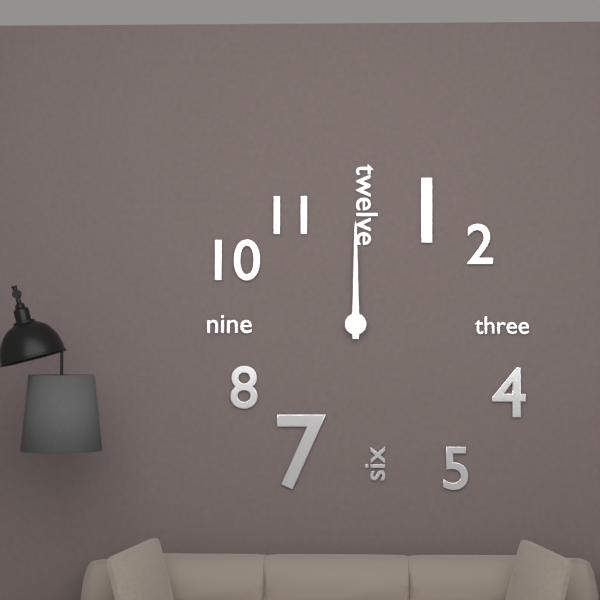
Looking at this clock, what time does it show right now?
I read 12:00
